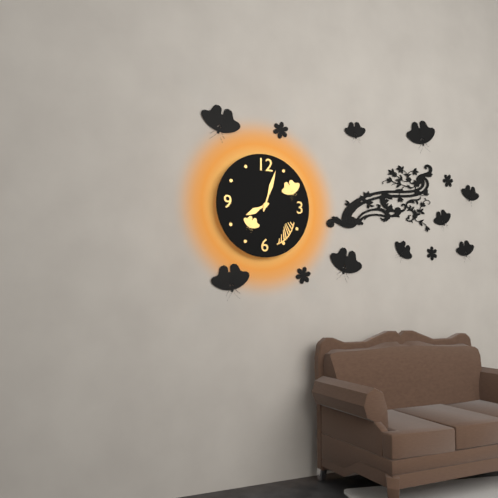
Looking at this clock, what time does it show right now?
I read 8:03
